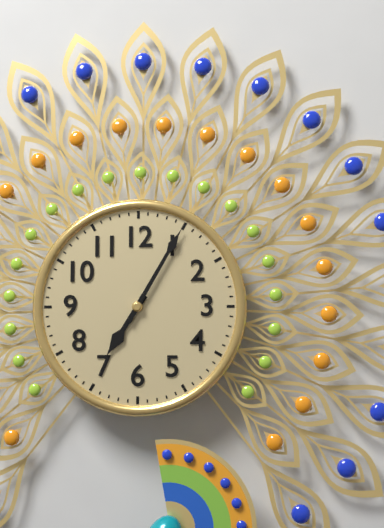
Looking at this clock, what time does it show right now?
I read 7:05
